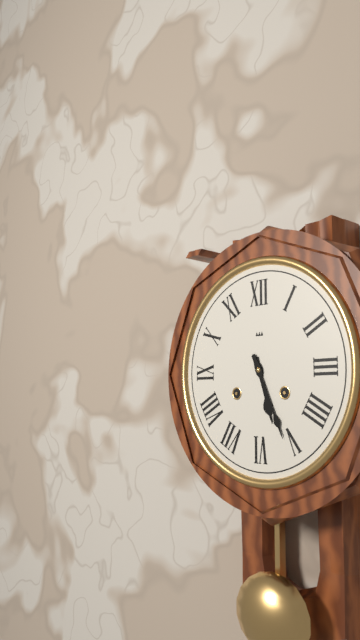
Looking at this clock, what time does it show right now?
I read 5:26
